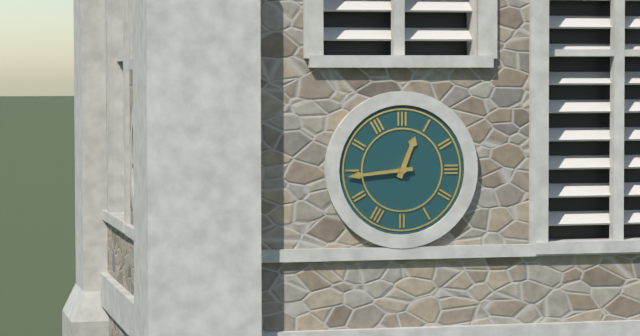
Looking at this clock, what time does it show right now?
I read 12:44
